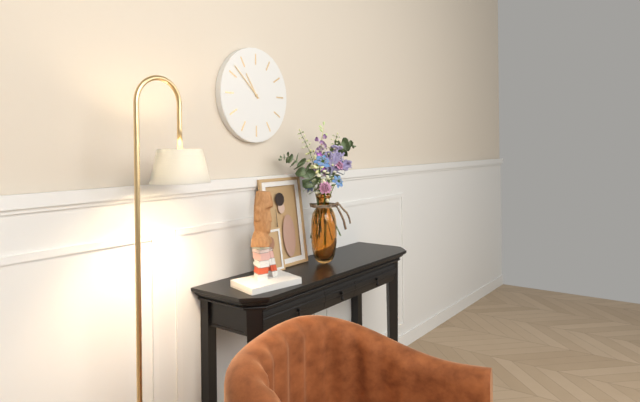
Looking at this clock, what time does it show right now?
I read 10:52
